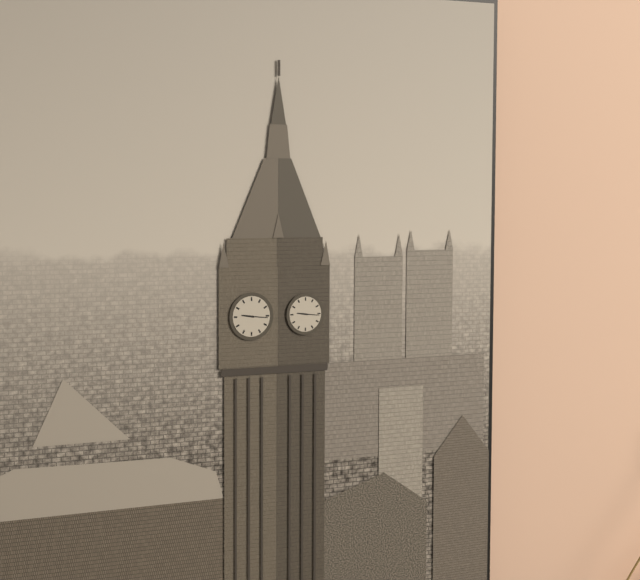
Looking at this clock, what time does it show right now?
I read 9:16
